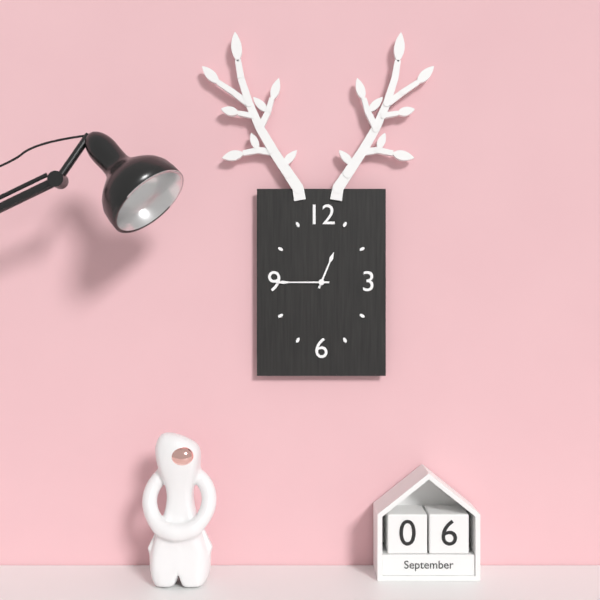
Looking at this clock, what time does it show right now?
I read 12:45
